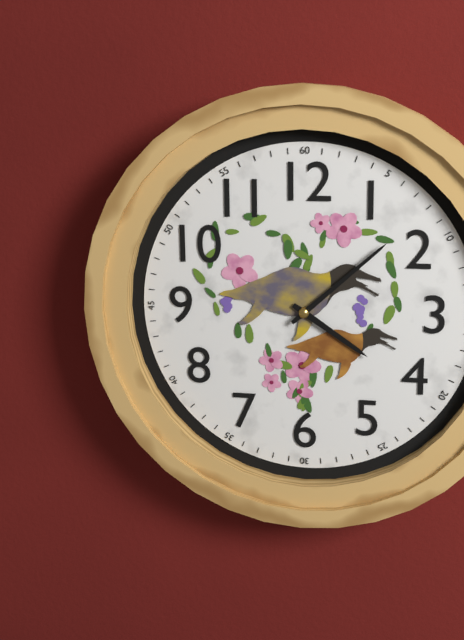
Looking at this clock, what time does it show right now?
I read 4:08
